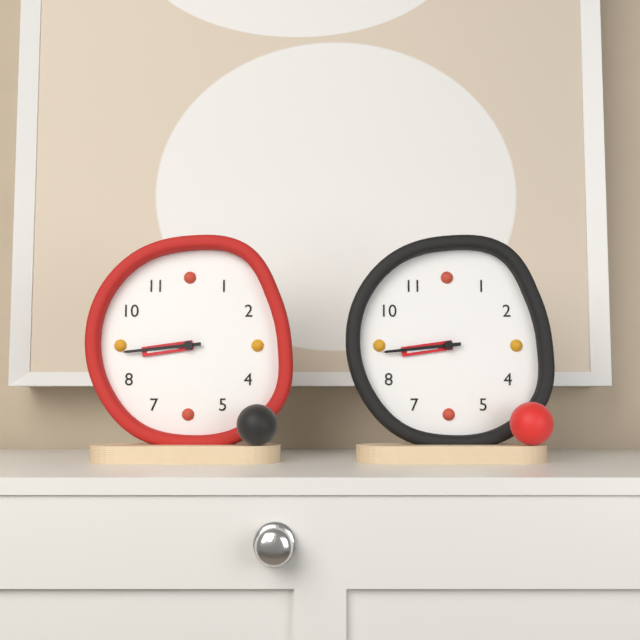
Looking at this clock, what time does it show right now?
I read 8:44
